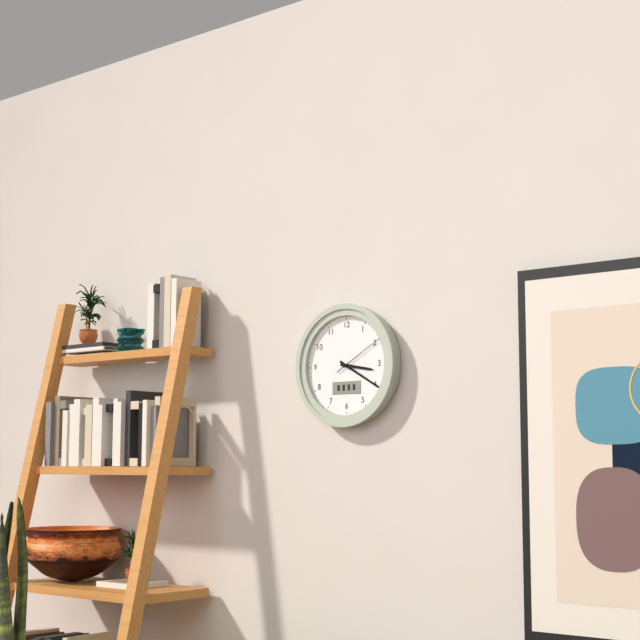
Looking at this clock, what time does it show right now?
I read 3:20:10
